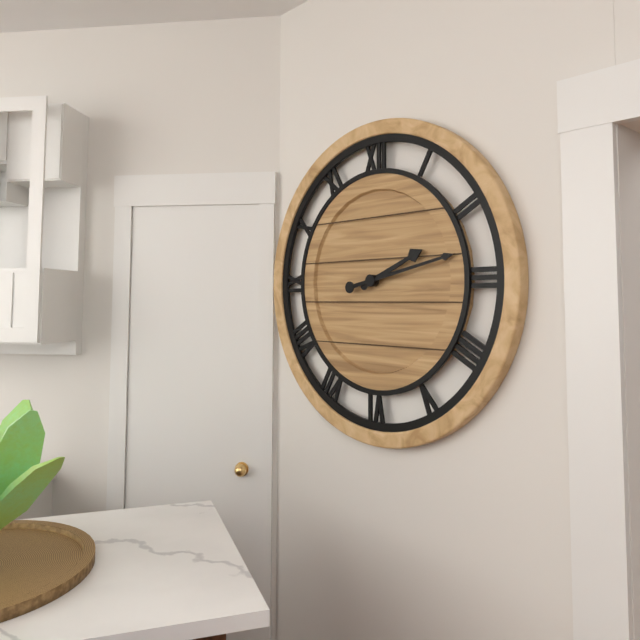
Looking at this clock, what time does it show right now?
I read 2:13
